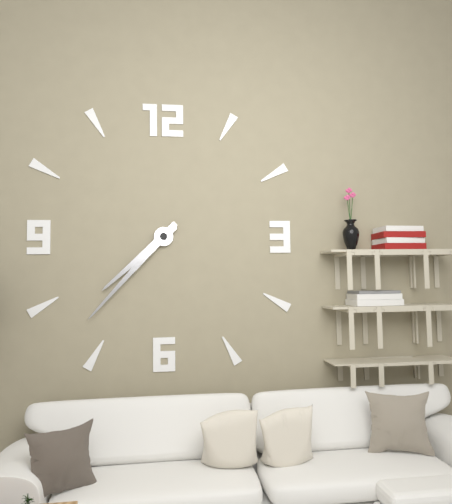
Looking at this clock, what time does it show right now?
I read 7:37
